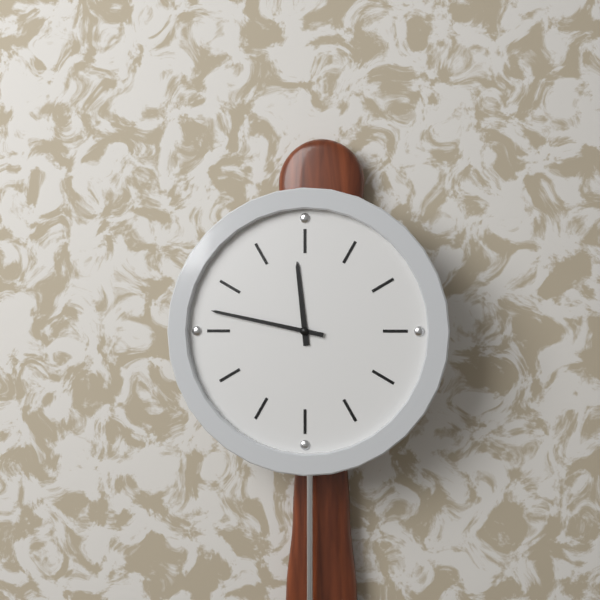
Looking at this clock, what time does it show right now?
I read 11:47
